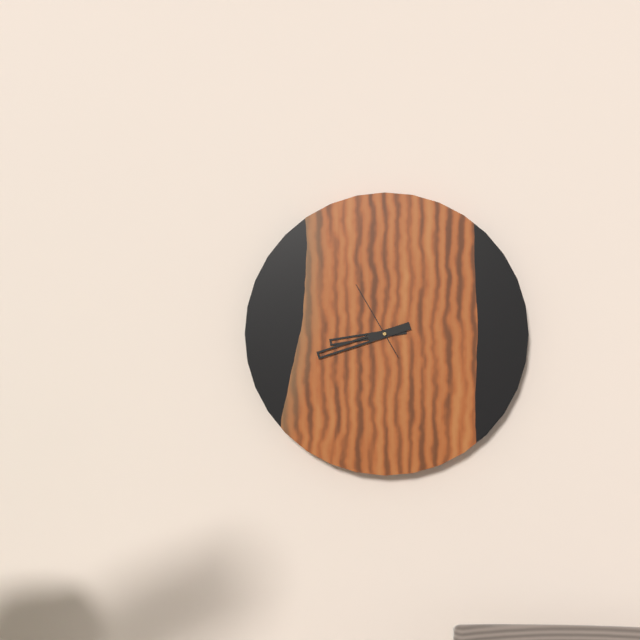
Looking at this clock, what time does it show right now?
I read 8:42:55
